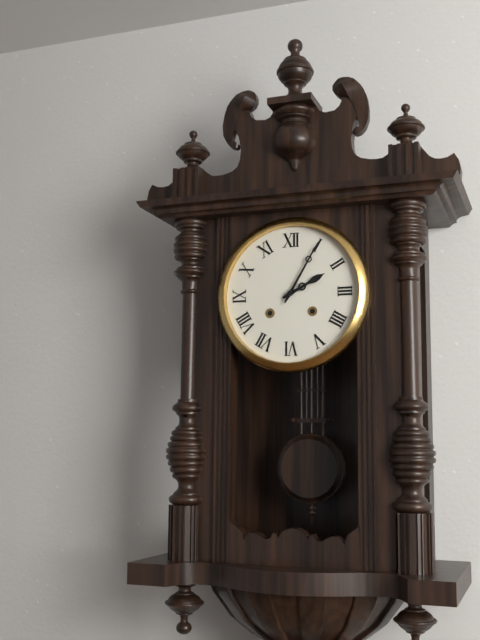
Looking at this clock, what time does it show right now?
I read 2:05
